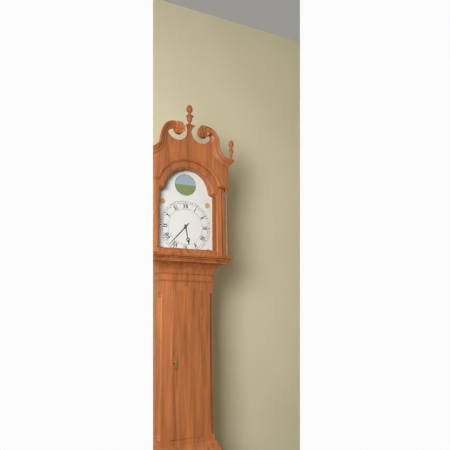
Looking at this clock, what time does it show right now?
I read 5:37
